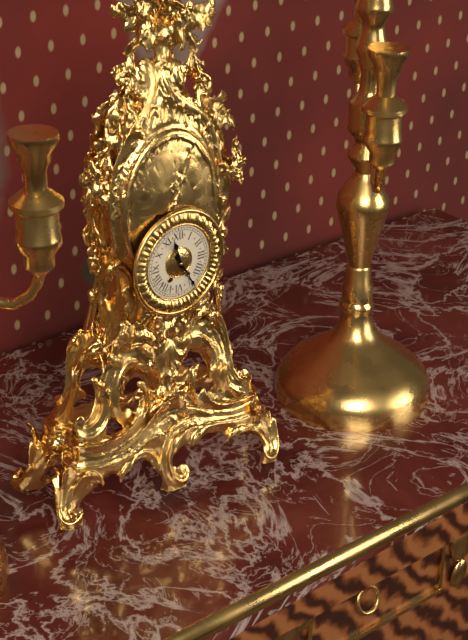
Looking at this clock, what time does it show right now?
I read 11:25
